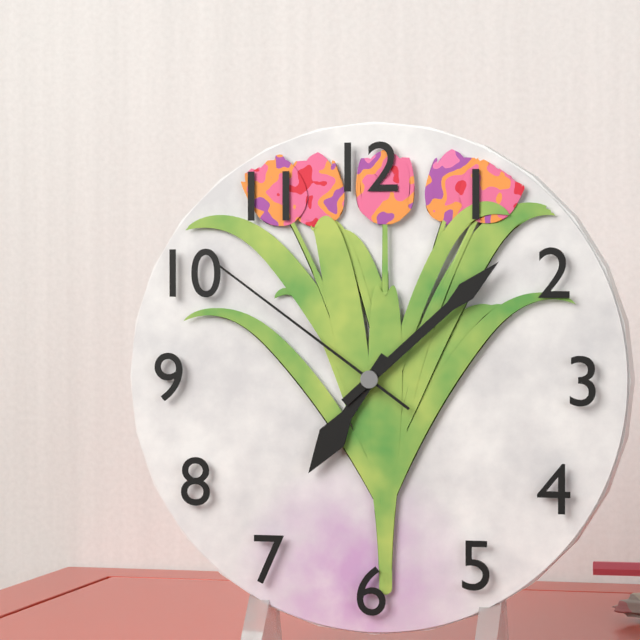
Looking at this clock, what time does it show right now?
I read 7:08:51
